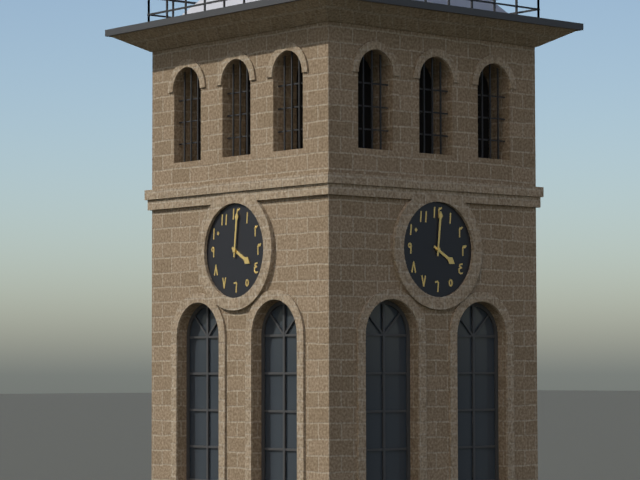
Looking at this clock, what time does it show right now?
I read 4:01
